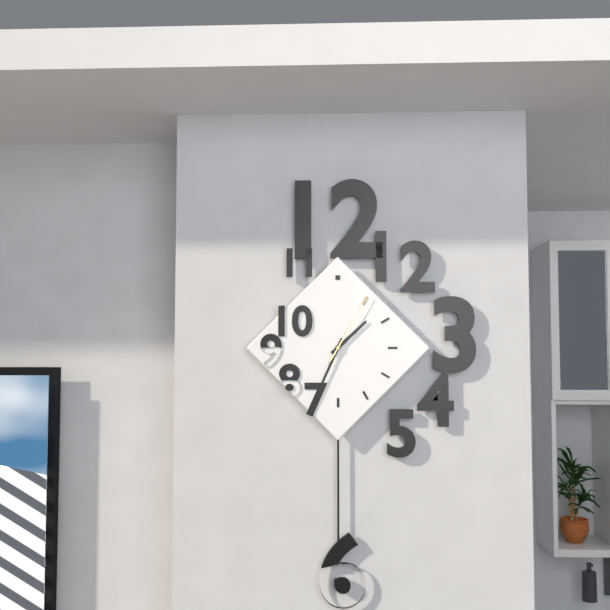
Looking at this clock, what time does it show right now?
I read 1:34:05
